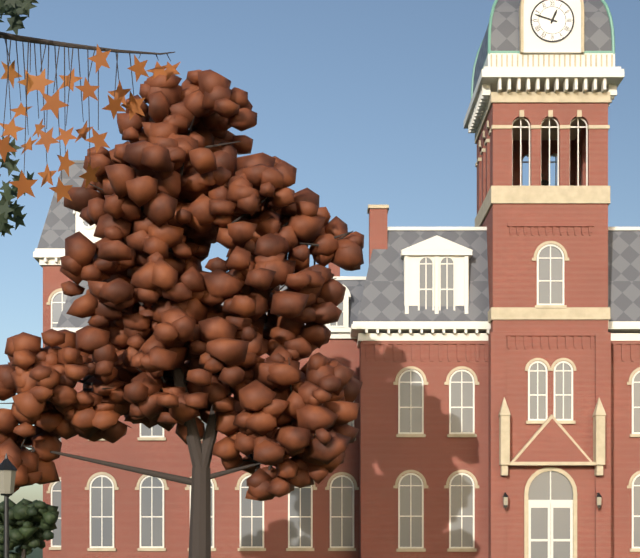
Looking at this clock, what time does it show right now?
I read 12:48
